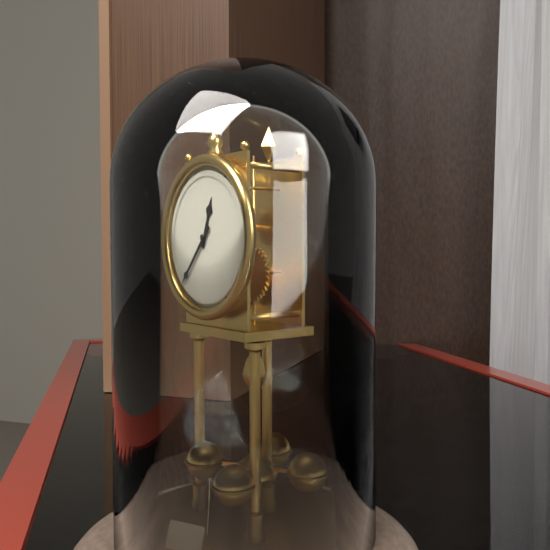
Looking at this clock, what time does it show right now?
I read 12:37
